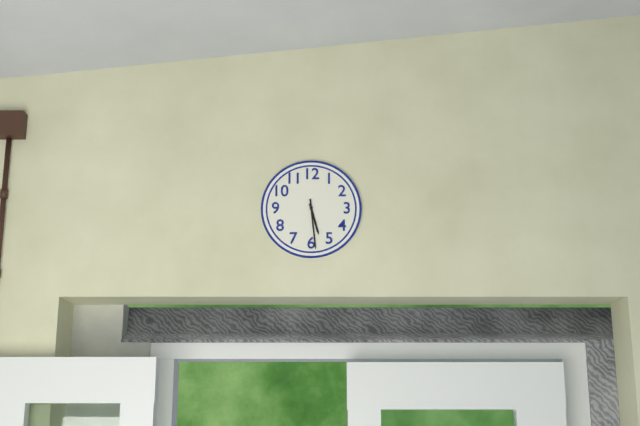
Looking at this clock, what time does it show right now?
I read 5:29
